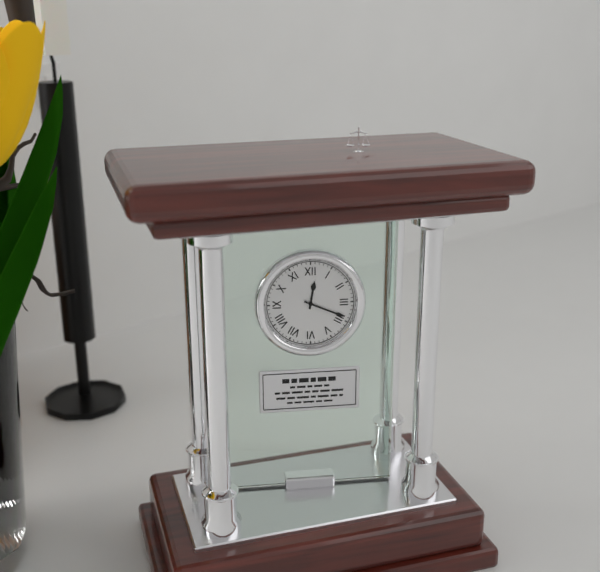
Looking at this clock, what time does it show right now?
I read 12:19
